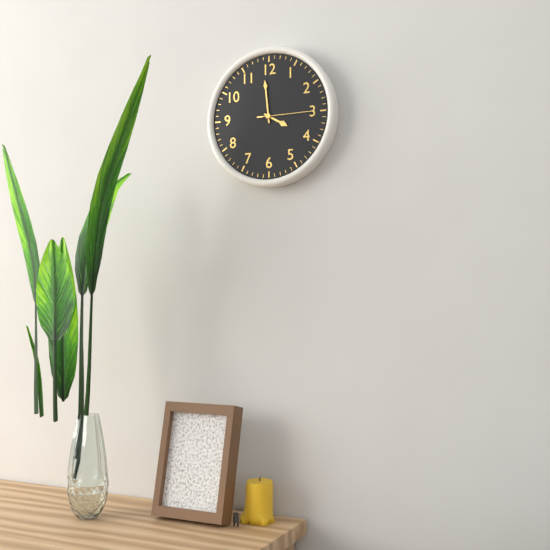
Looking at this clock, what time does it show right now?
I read 3:59:15
